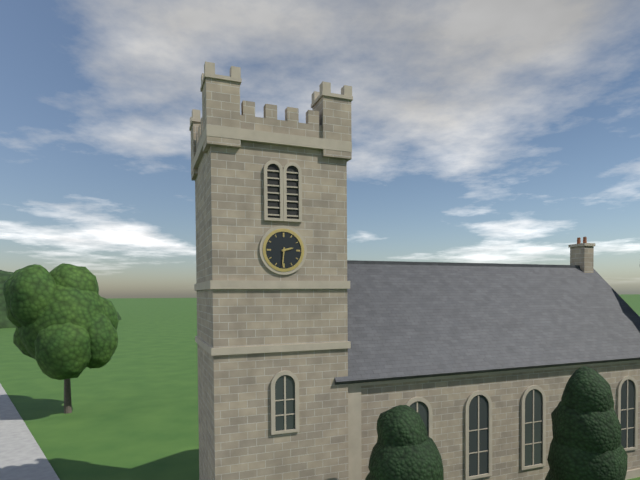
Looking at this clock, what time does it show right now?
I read 2:31
